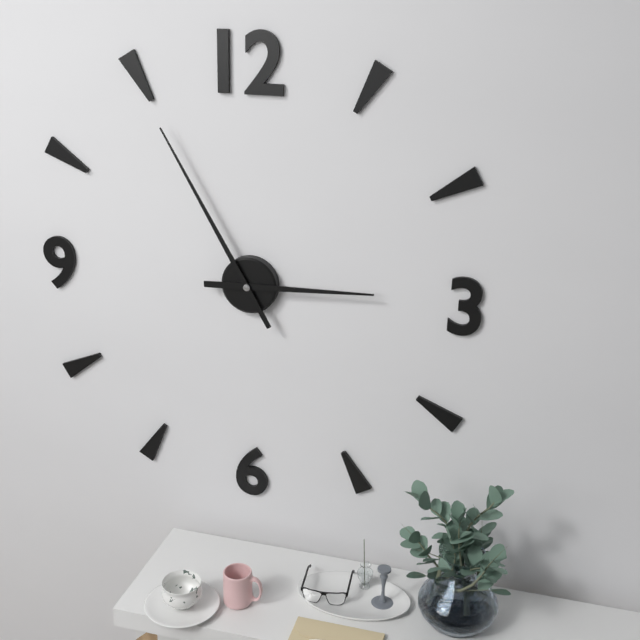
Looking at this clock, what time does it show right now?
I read 2:55
